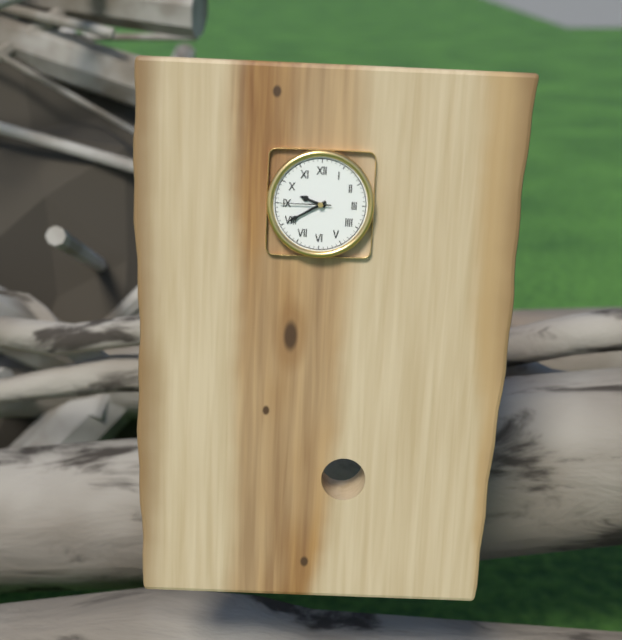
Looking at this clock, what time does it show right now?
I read 9:40:45
